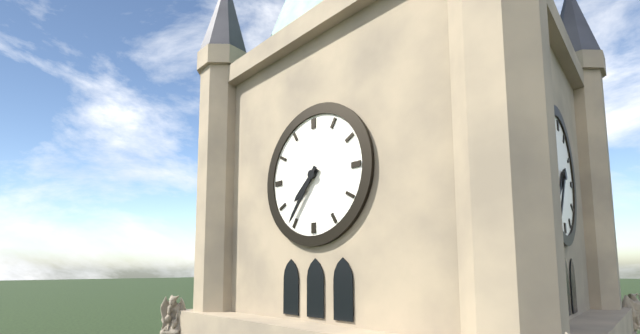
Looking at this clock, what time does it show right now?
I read 7:36
